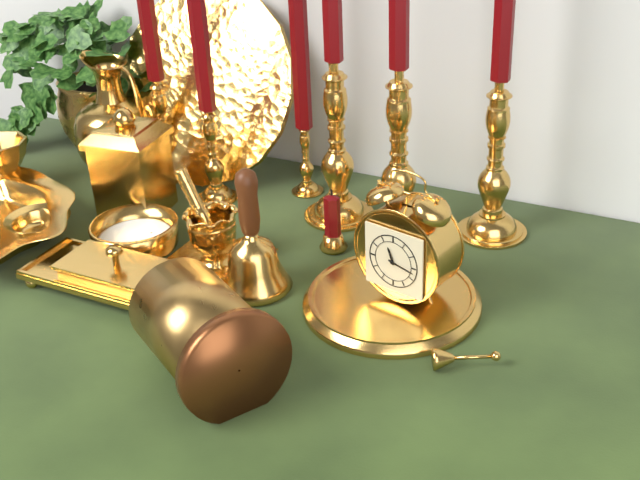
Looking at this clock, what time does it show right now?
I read 11:17
